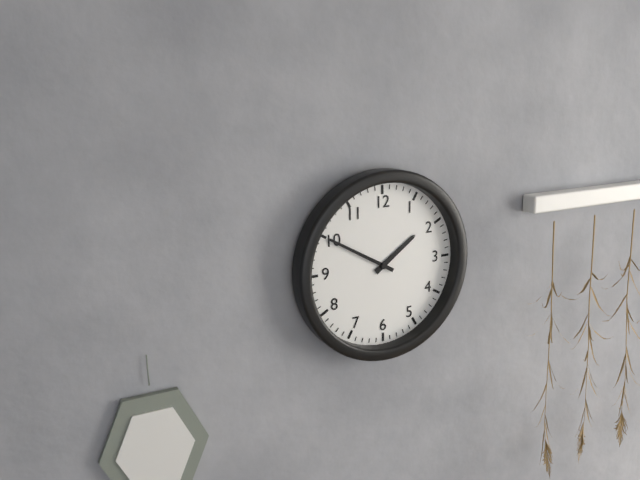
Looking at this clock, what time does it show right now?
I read 1:50
